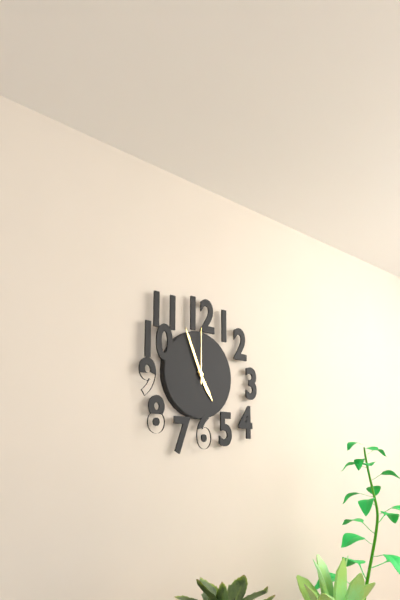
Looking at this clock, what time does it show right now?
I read 4:56:00
